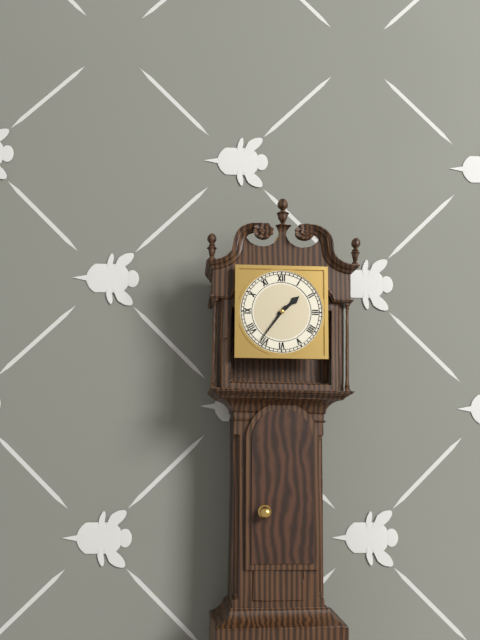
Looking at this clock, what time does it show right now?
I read 1:36
